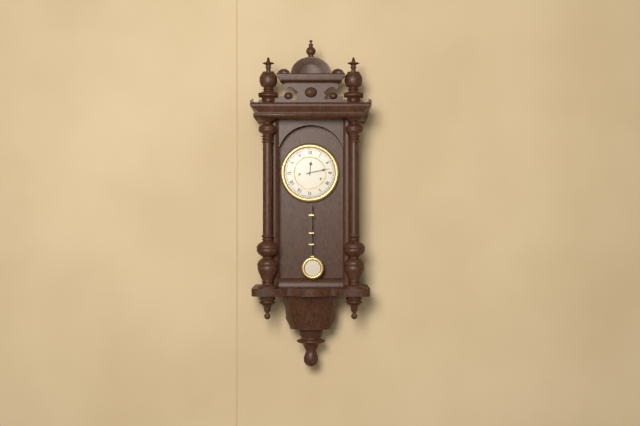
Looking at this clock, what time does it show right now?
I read 12:13
